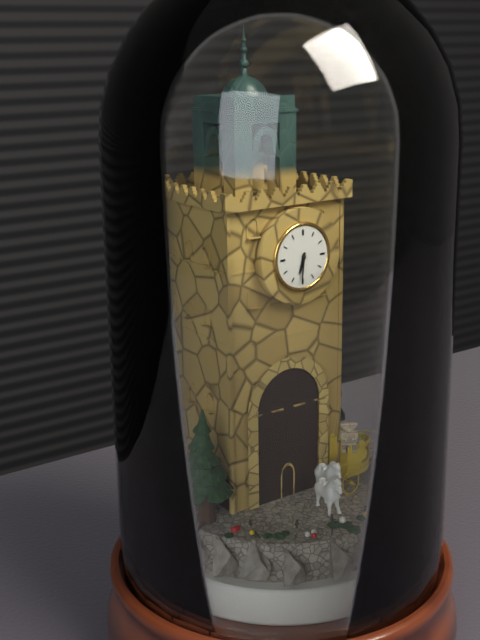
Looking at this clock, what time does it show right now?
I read 6:31
